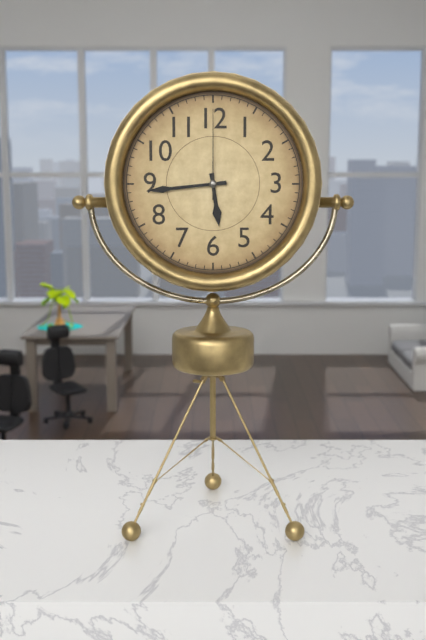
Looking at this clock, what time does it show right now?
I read 5:44:00
